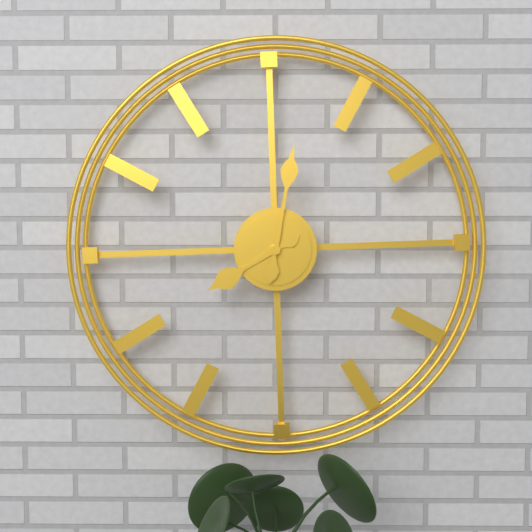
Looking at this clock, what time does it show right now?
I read 8:02
